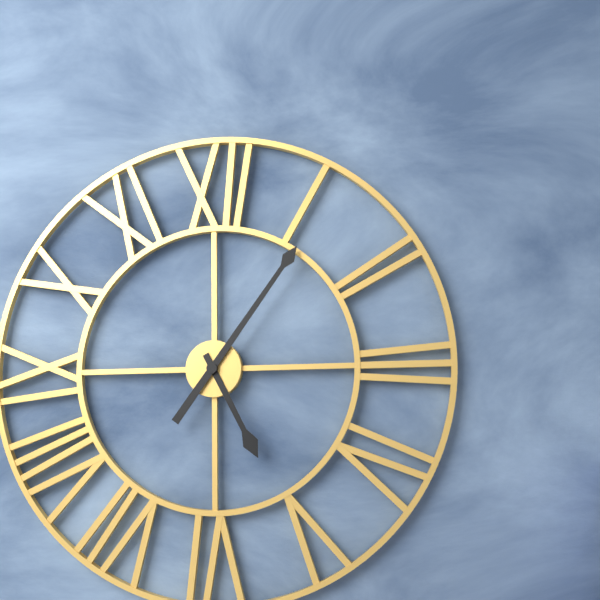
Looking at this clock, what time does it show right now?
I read 5:06
